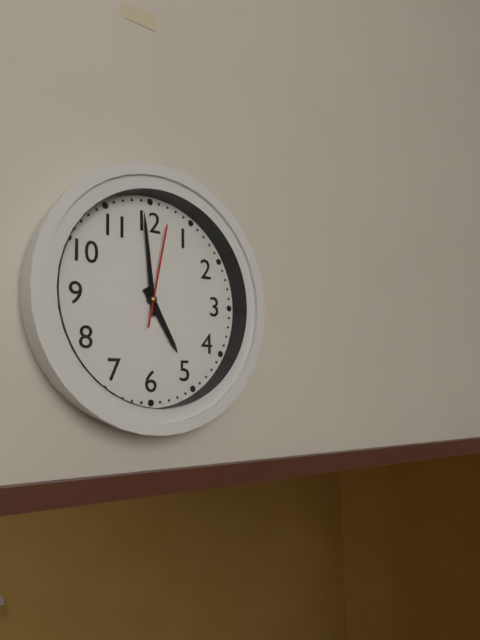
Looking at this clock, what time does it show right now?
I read 4:59:02
